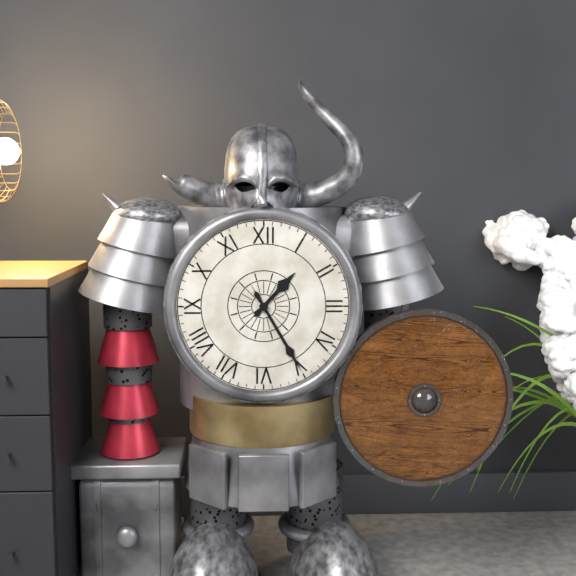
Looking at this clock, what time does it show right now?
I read 1:25
